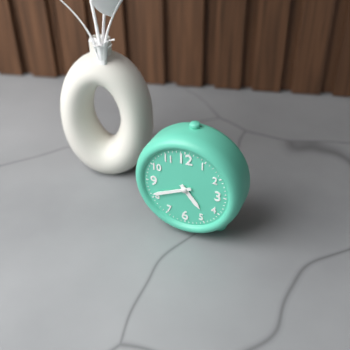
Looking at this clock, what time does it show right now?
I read 4:41
